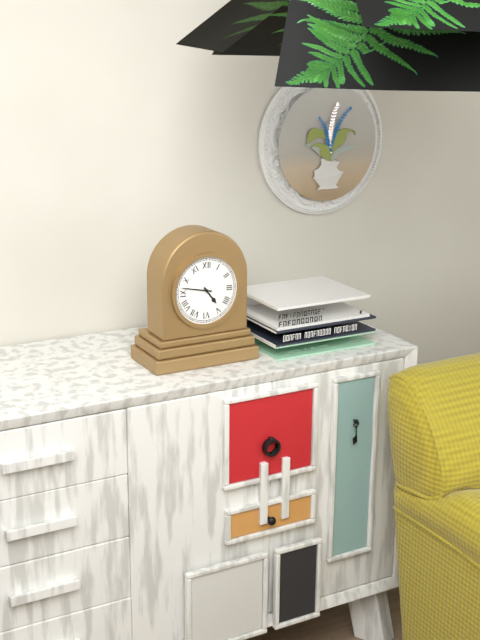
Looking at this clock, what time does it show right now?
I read 4:47
